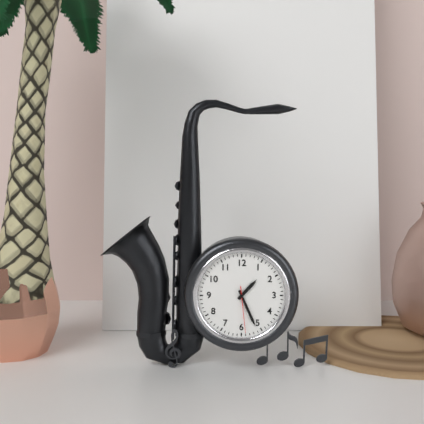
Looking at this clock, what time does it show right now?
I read 1:26
